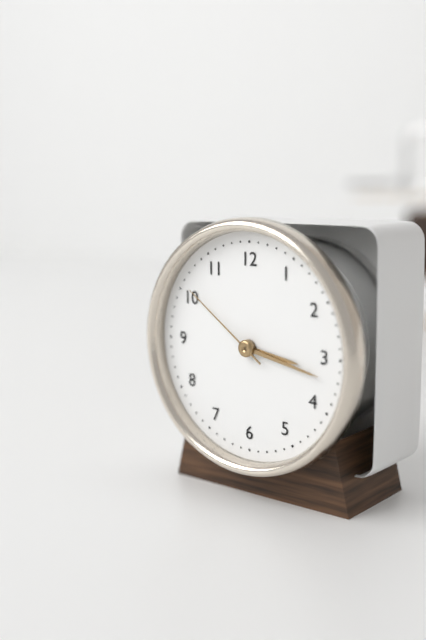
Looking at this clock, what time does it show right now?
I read 3:17:51
